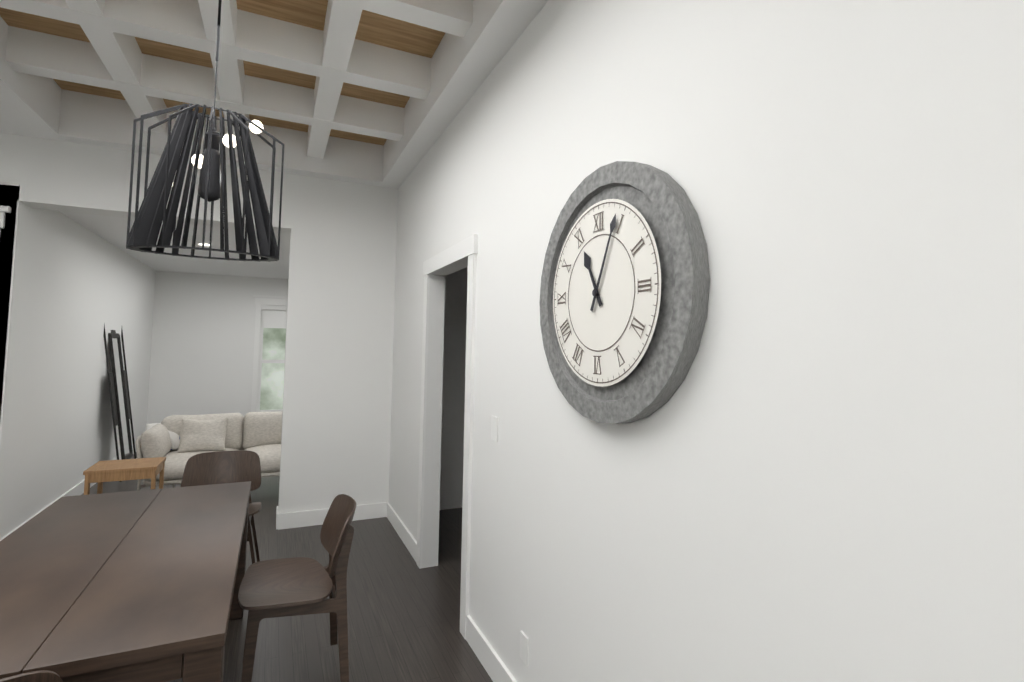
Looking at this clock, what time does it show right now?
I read 11:04
